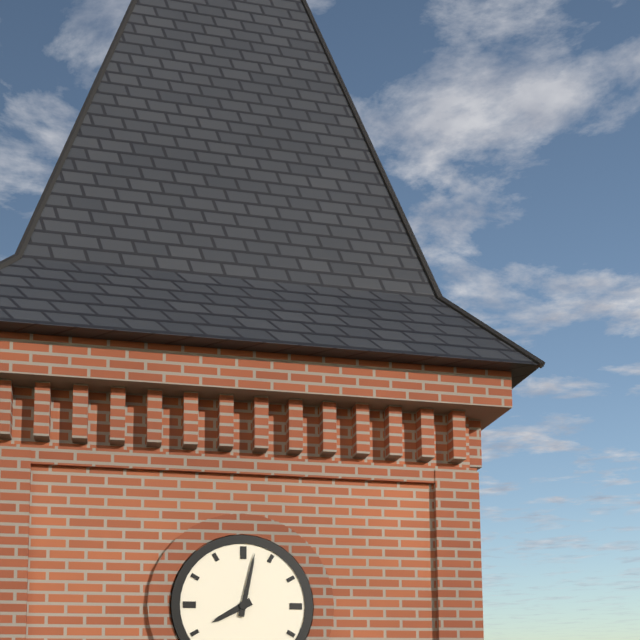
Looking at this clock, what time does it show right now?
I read 8:02
